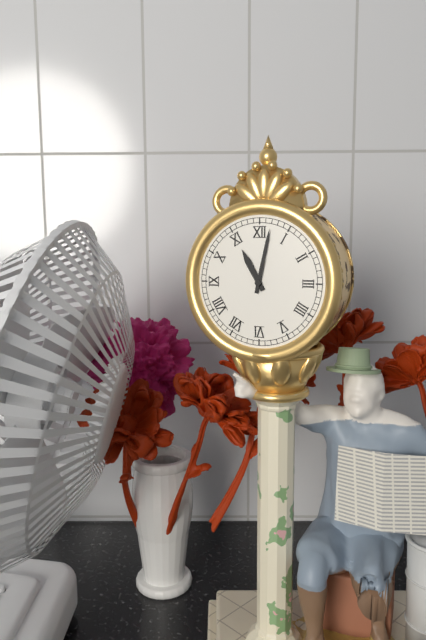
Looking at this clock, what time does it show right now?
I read 11:02
